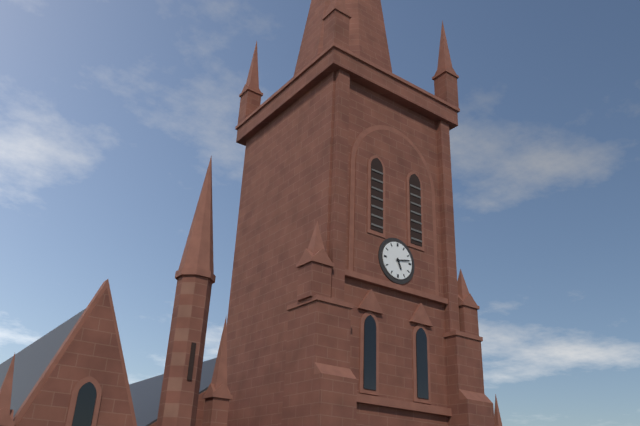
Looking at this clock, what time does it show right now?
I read 5:13
